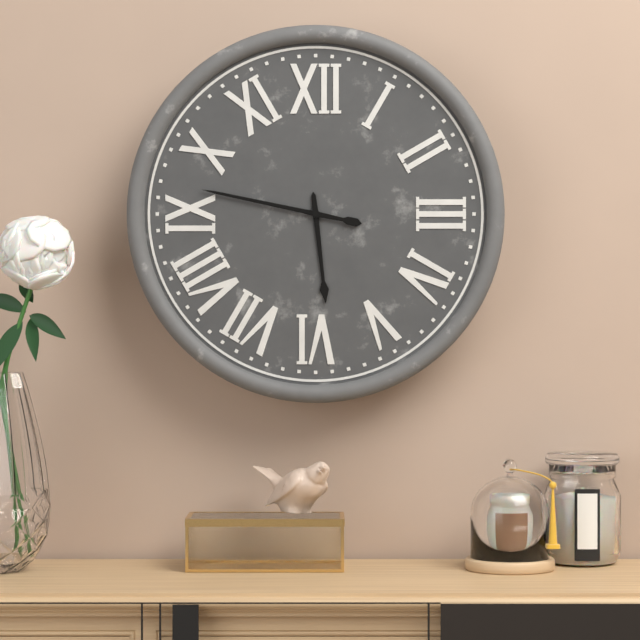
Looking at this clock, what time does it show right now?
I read 5:47
